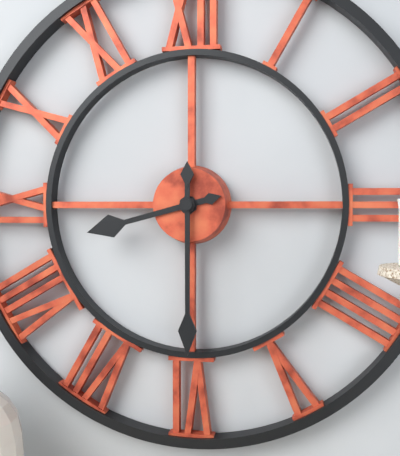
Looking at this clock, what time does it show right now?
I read 8:30
